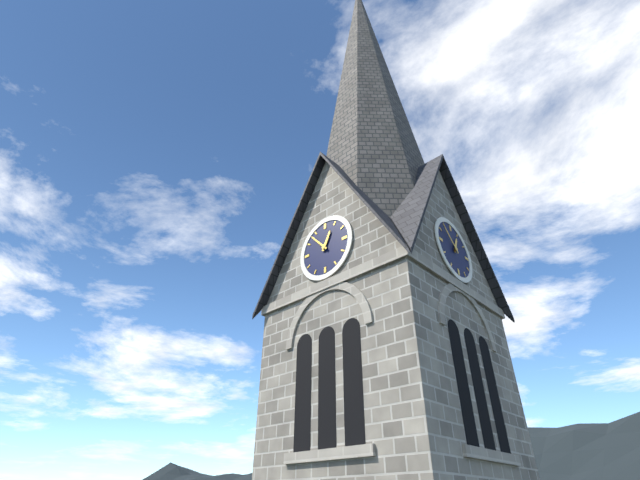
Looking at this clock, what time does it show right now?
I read 12:53
